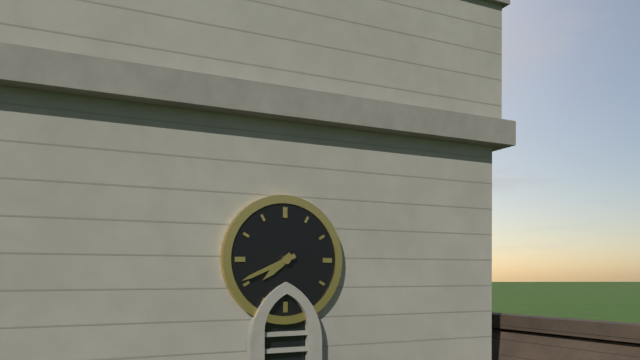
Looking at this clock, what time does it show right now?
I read 7:41
